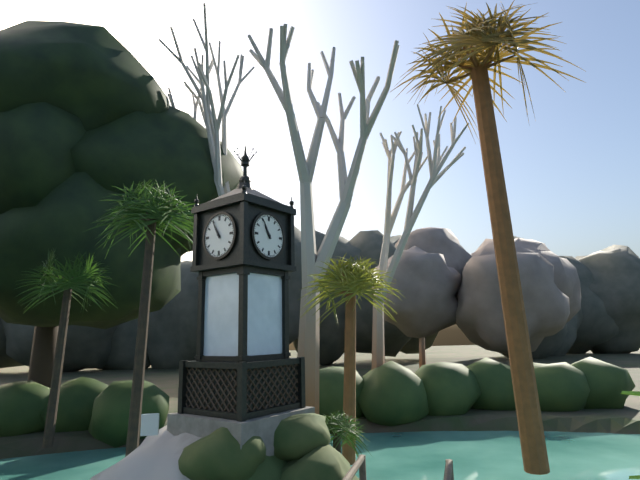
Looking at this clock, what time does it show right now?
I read 10:55
